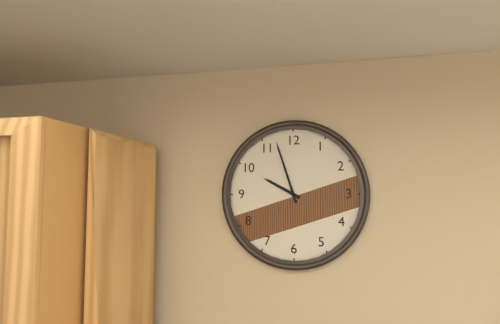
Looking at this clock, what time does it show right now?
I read 9:57
